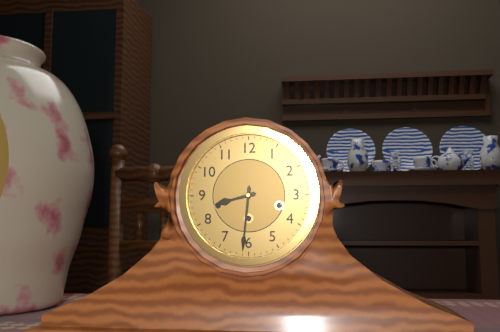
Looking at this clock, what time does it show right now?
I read 8:31
